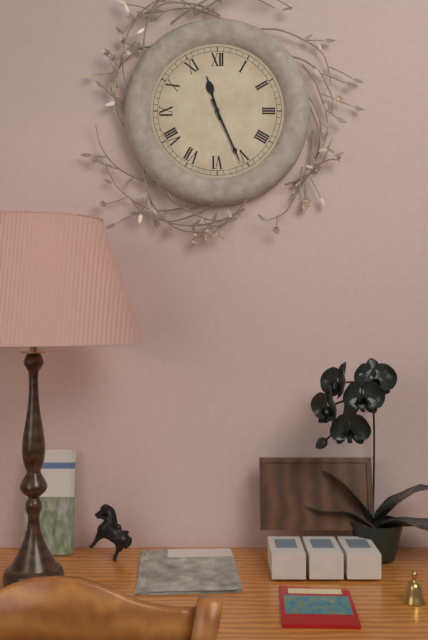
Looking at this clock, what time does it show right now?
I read 11:26
